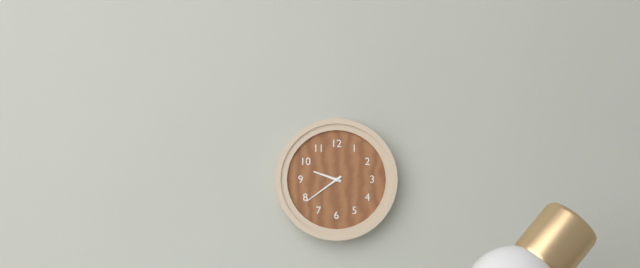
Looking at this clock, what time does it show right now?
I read 9:39
